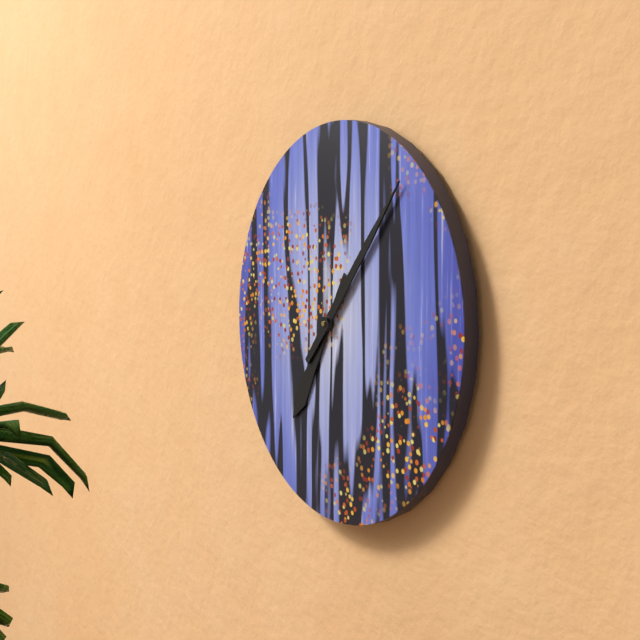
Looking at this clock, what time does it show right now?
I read 7:07
